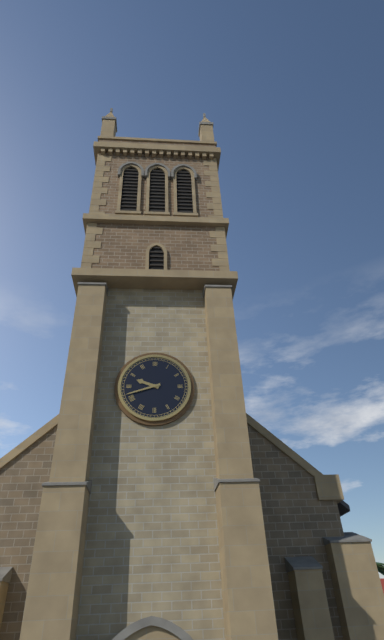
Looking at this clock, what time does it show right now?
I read 9:42
